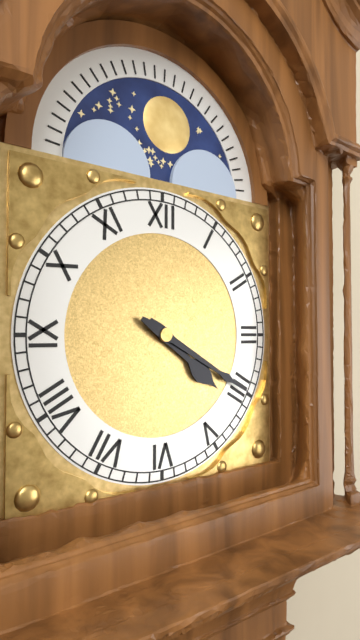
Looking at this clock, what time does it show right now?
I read 4:20
